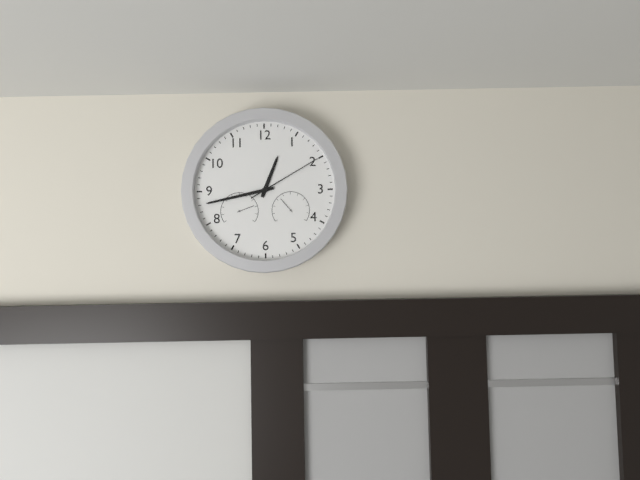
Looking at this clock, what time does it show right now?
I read 12:43:10
